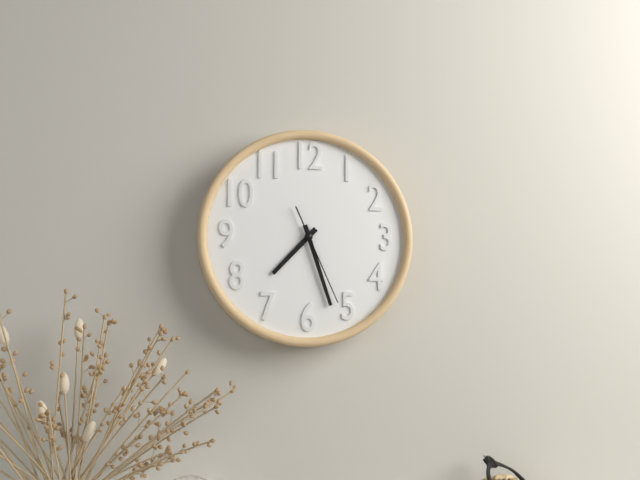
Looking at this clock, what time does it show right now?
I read 7:27:26
